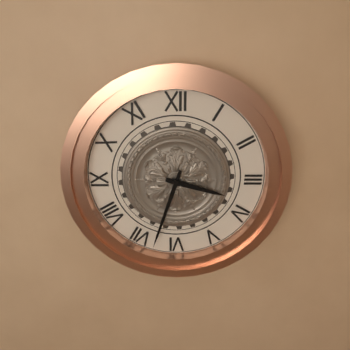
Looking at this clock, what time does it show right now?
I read 3:33
